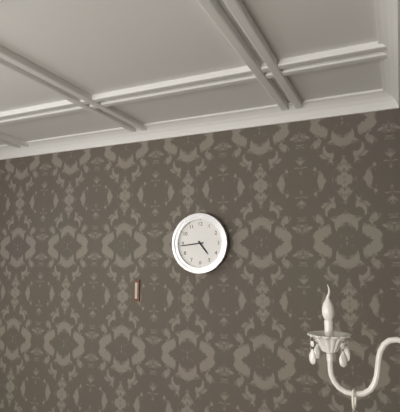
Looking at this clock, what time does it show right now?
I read 4:44
